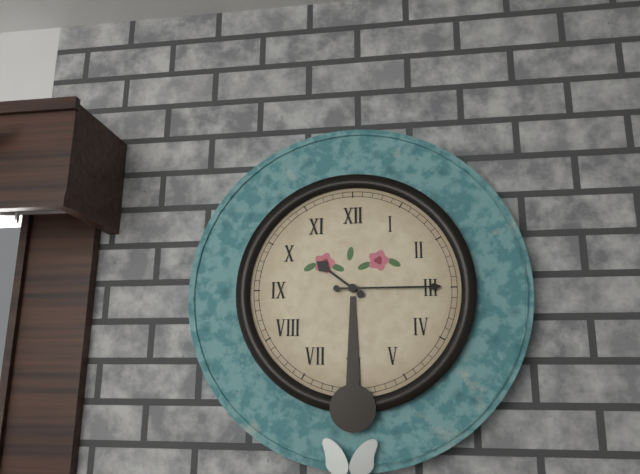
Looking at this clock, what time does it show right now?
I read 10:15
